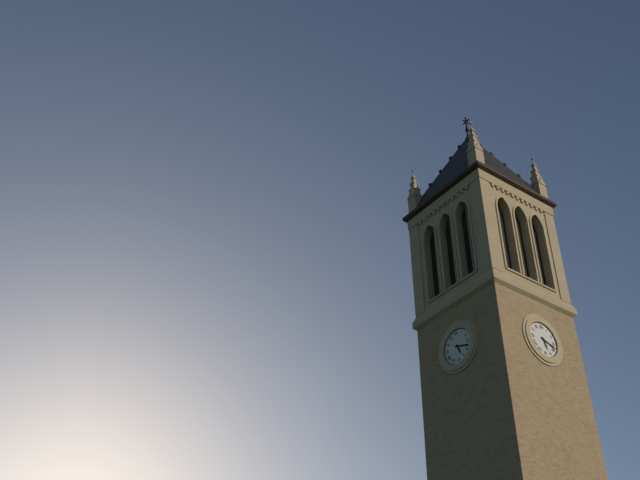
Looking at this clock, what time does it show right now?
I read 5:18
